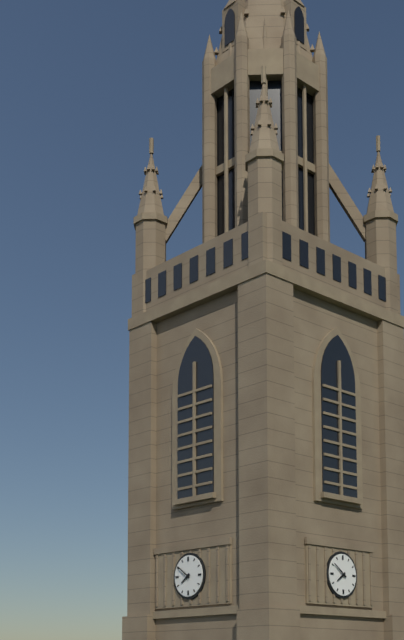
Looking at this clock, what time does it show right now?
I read 7:51
